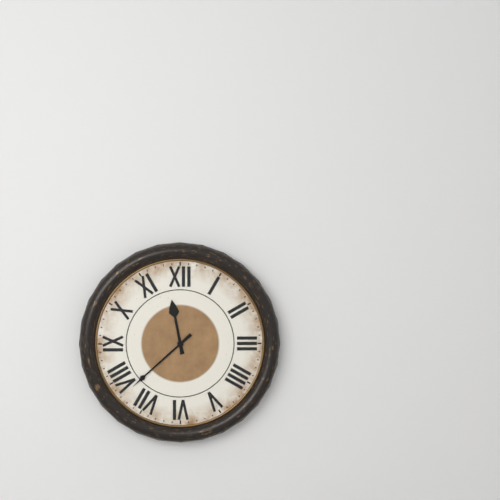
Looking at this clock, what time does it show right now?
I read 11:38
